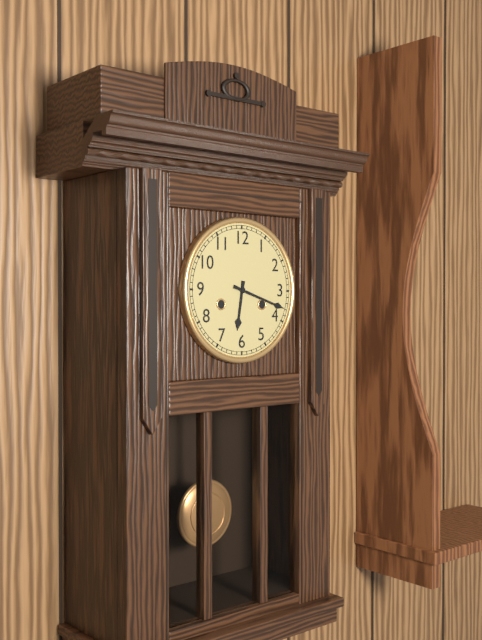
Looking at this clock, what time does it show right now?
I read 6:18
